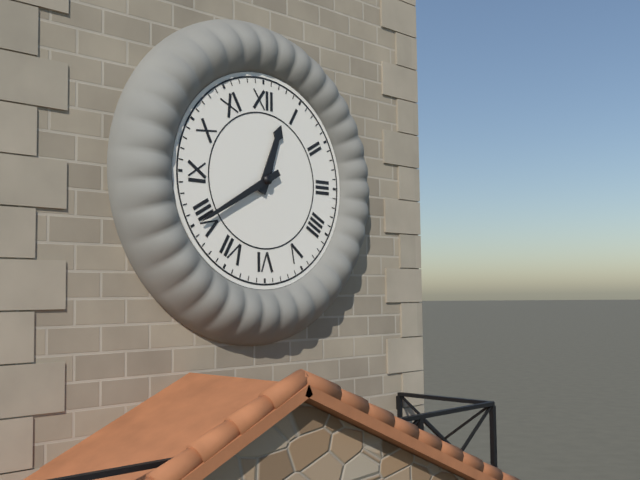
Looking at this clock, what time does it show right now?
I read 12:40
